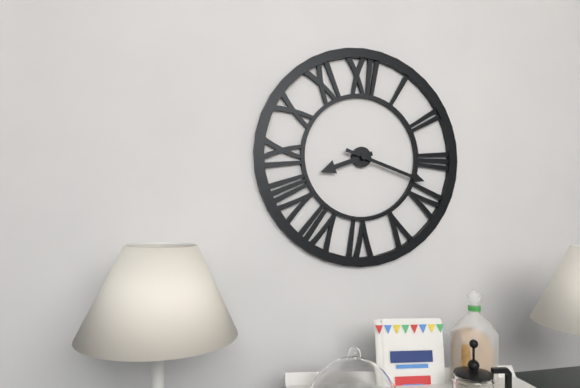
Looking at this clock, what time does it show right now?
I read 8:18
